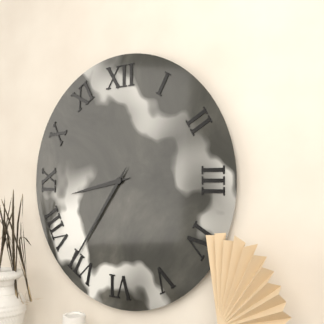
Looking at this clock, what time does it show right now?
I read 8:36
